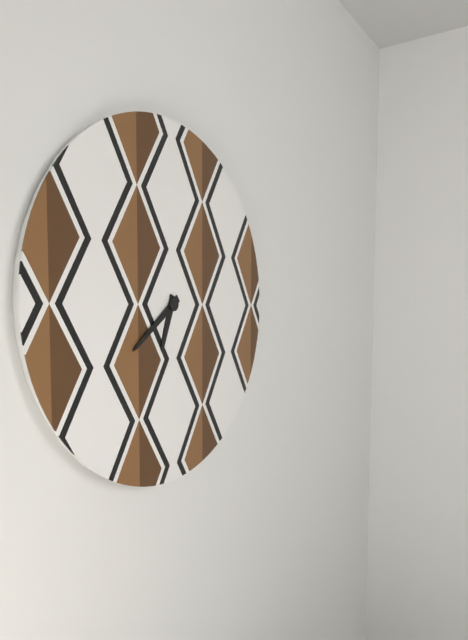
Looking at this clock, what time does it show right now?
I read 6:39
